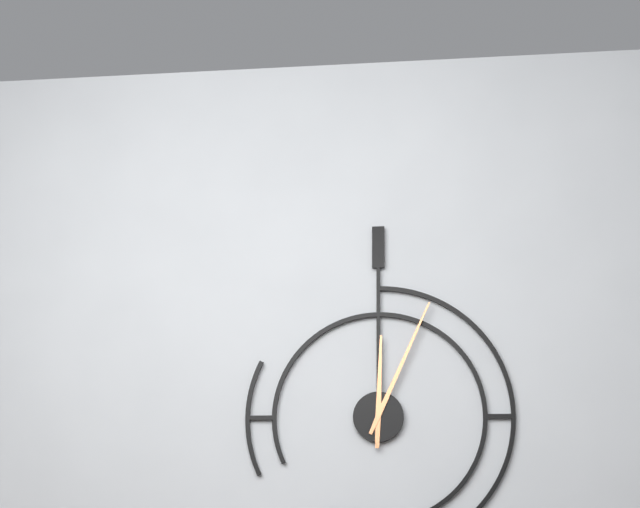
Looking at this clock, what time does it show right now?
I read 12:04
